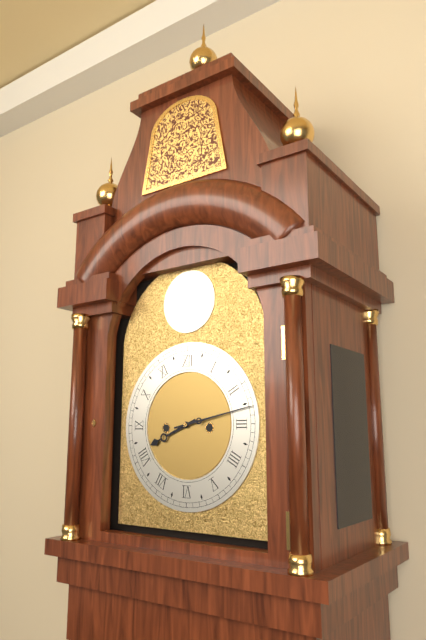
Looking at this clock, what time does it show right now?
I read 8:13
